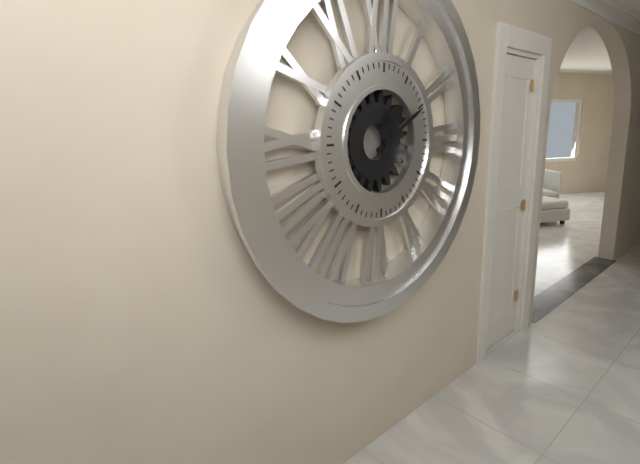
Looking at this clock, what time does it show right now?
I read 1:10
